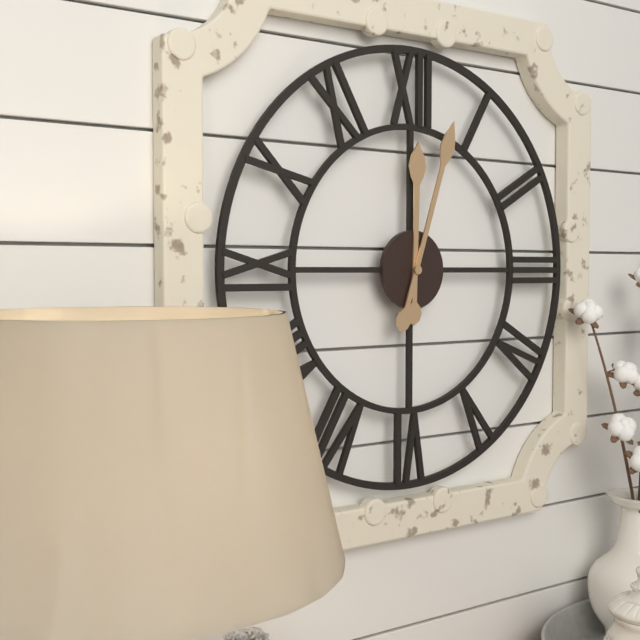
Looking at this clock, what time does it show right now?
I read 12:03
